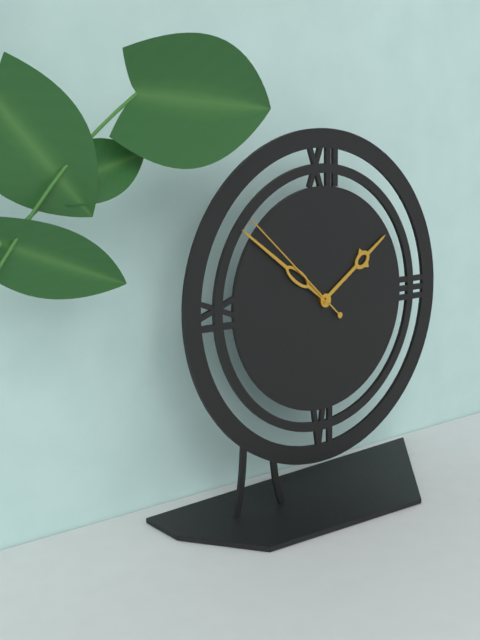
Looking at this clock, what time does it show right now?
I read 1:51:52
